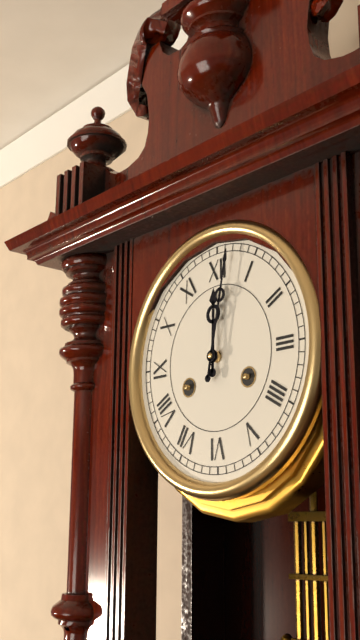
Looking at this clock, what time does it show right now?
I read 12:02
